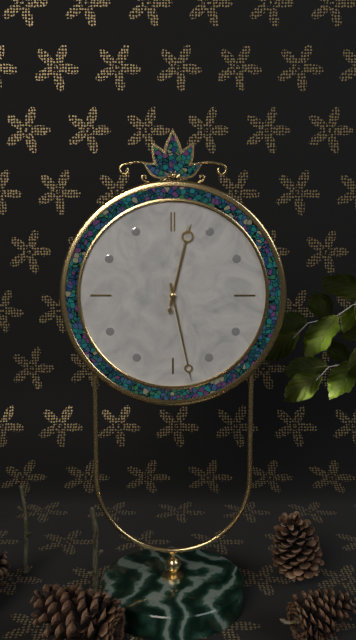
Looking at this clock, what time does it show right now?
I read 12:28:02
